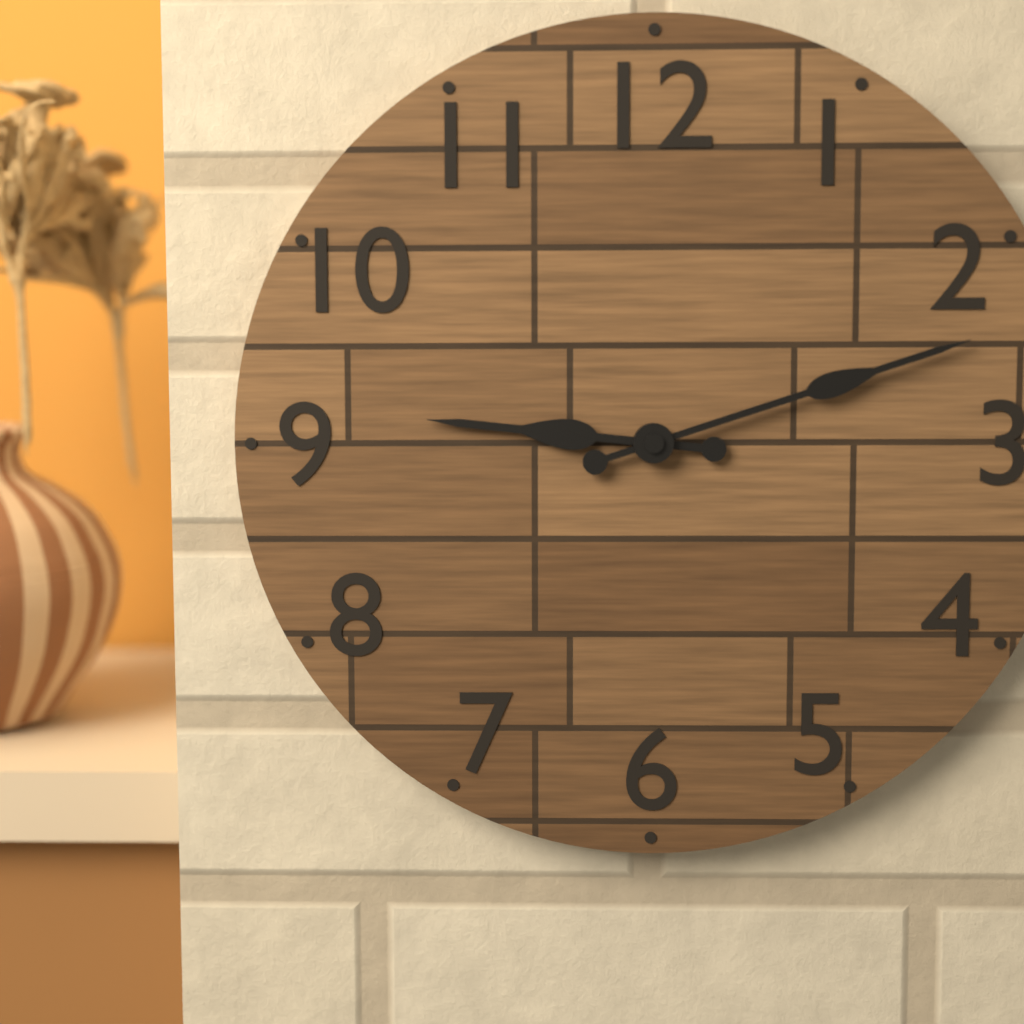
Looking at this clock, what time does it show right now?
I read 9:12
